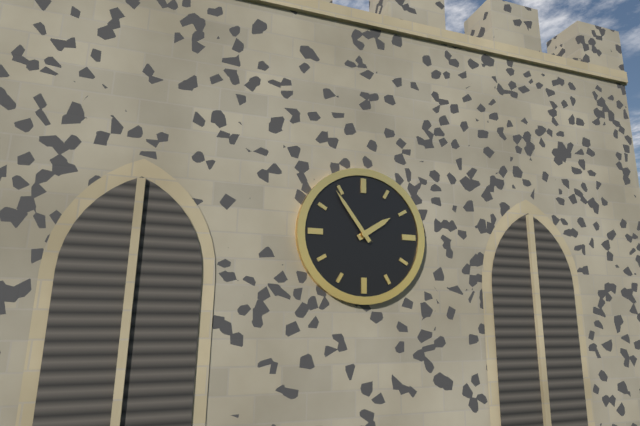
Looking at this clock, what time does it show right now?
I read 1:54
